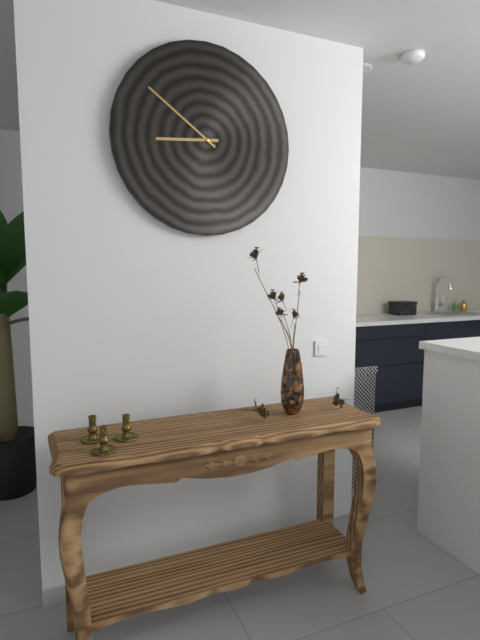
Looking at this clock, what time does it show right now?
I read 8:51
